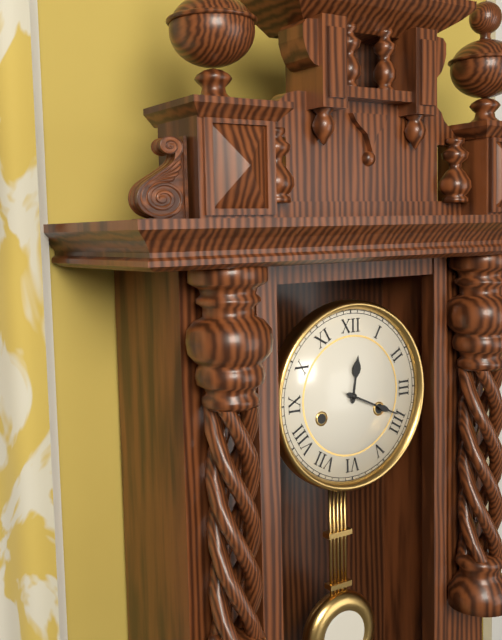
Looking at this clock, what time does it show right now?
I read 12:19
